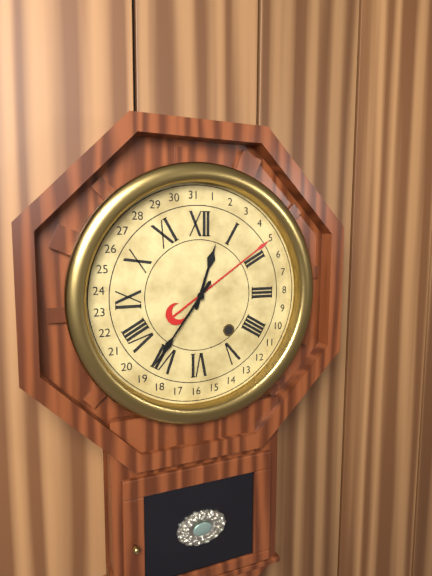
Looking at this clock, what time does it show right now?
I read 12:36
